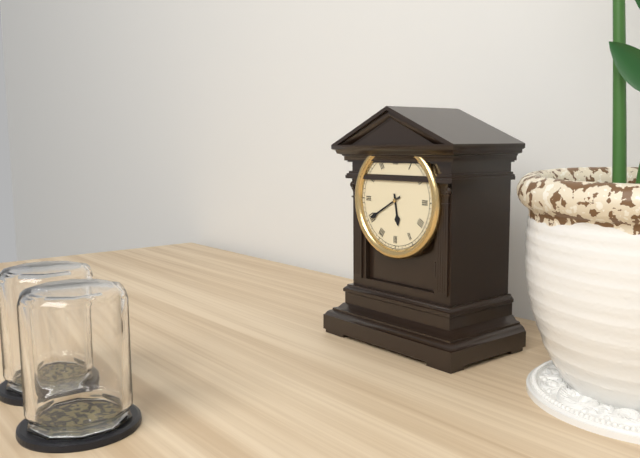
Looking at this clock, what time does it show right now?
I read 5:40
